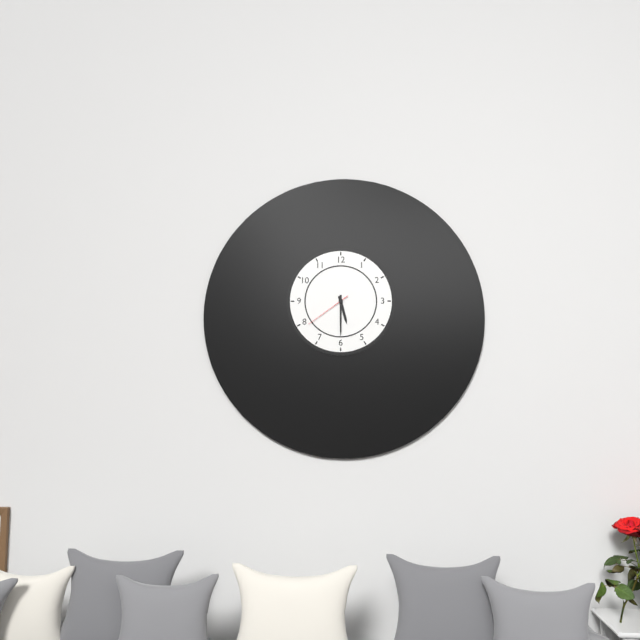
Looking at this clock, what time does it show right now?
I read 5:30
